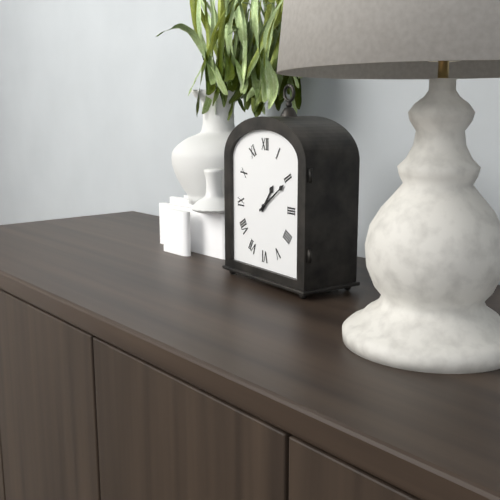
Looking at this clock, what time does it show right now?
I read 1:09
